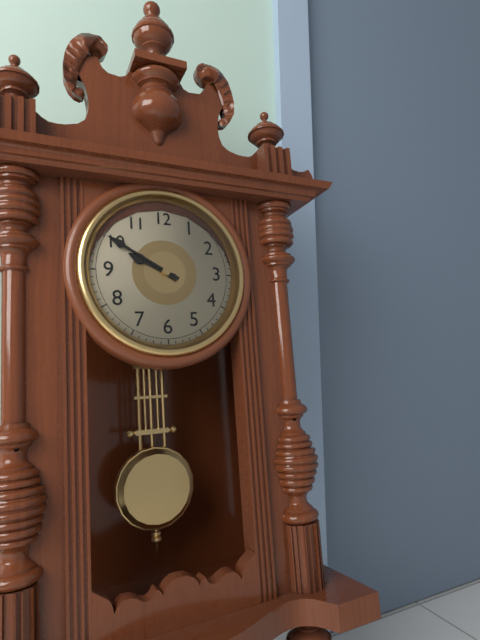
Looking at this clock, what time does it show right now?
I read 9:50
